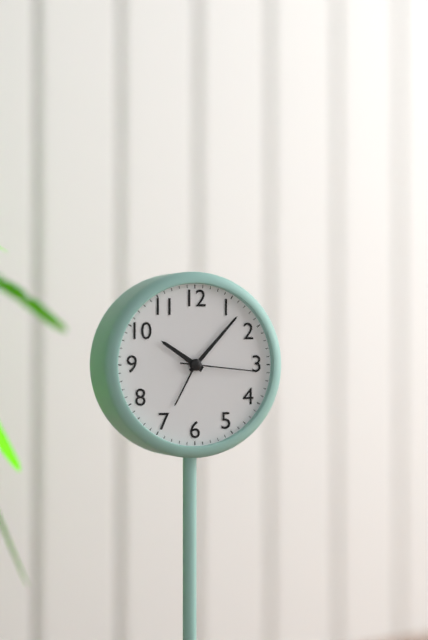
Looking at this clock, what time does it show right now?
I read 10:07:16
